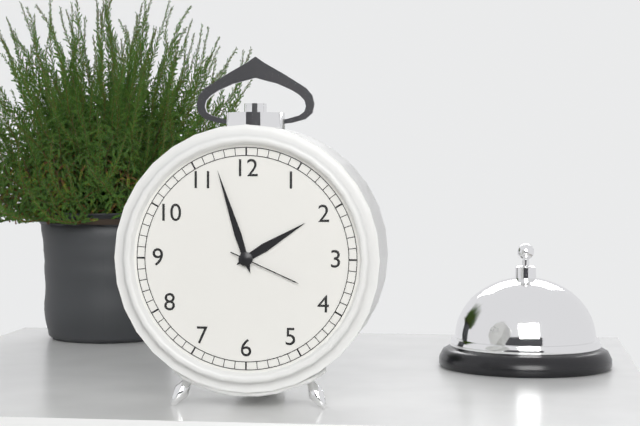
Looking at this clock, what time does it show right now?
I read 1:57:19
